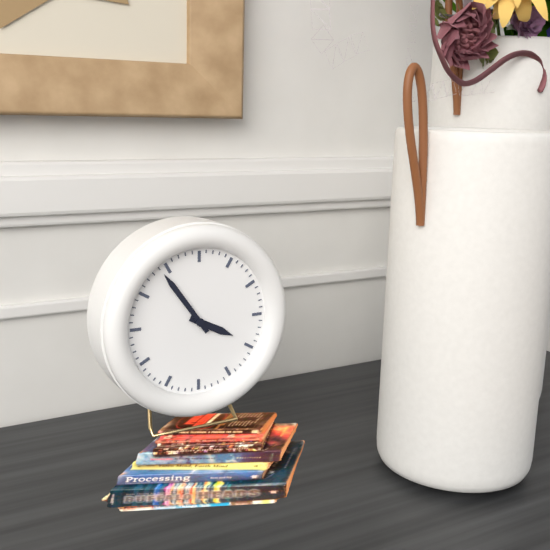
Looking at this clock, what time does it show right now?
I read 3:54
